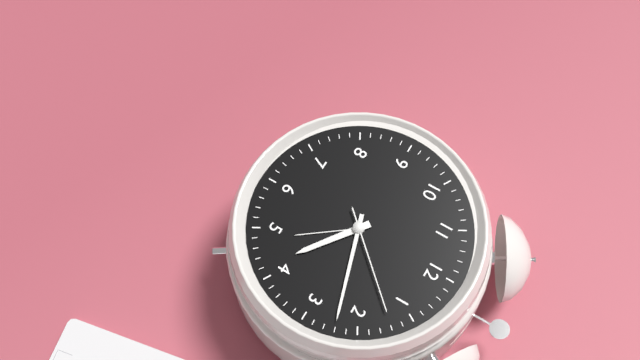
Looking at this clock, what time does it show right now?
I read 4:12:07
